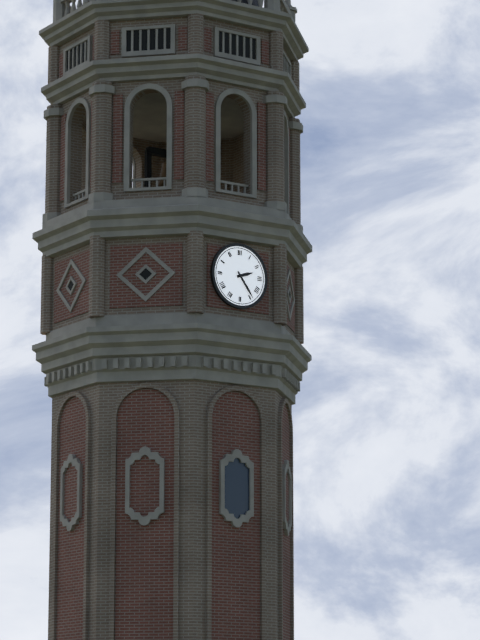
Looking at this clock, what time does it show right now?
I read 2:24
